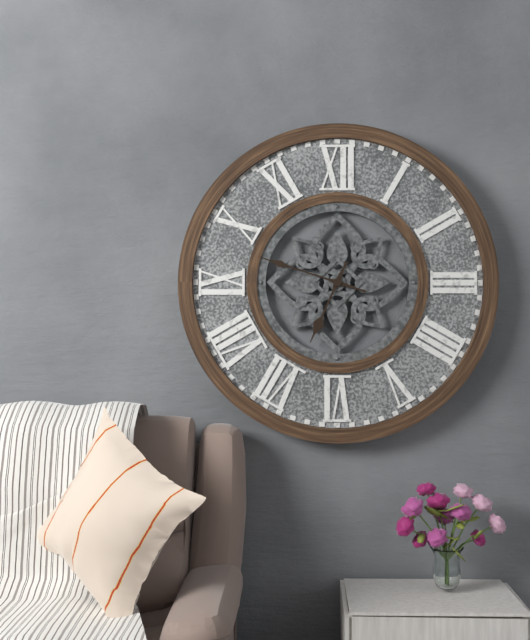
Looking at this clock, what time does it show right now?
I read 6:48
